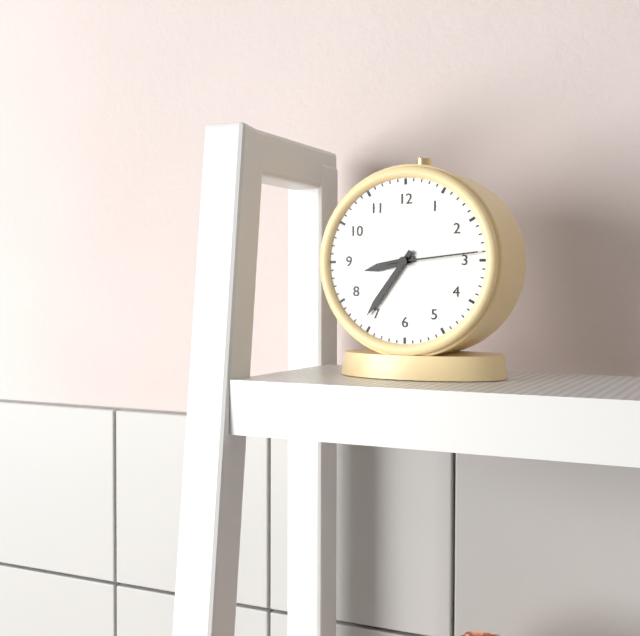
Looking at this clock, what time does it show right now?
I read 8:36:14
